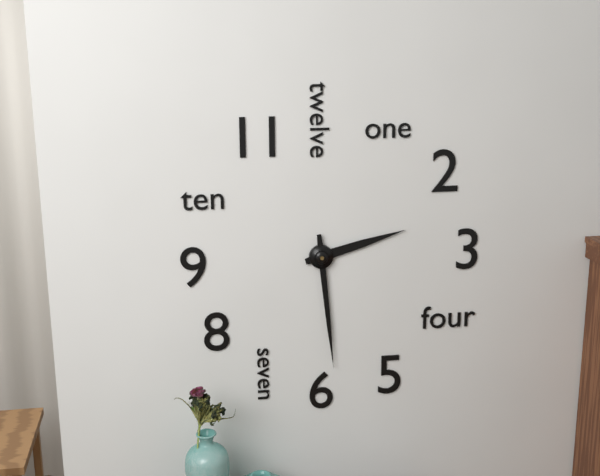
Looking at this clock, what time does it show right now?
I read 2:29
